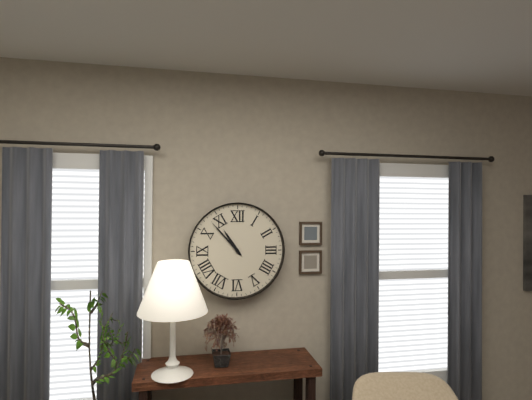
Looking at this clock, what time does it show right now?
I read 10:53
